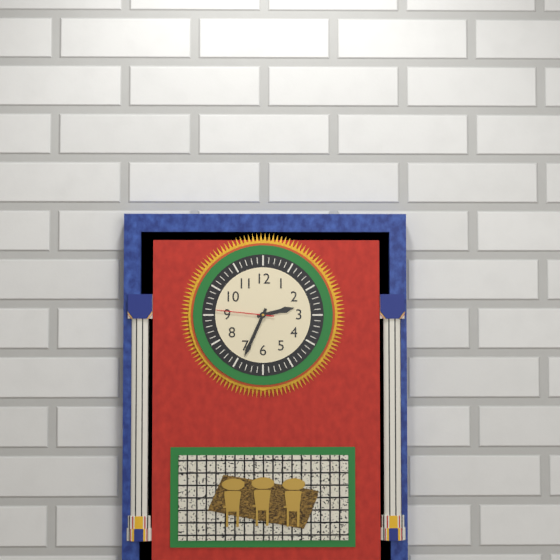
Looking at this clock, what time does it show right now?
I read 2:34:46
